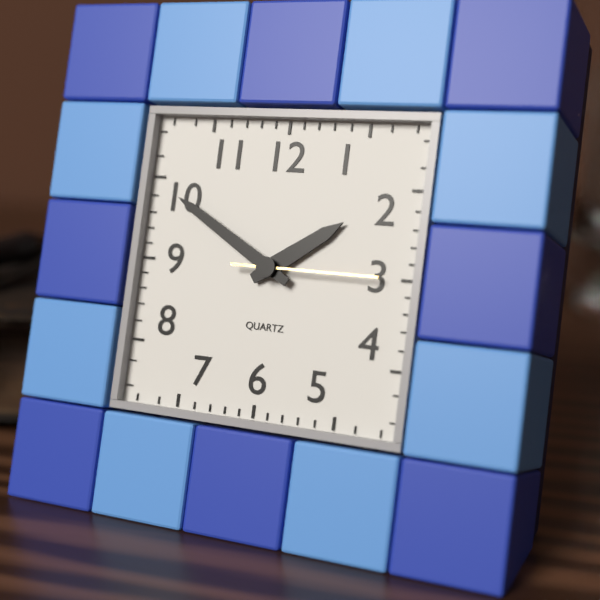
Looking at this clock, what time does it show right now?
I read 1:50:15
